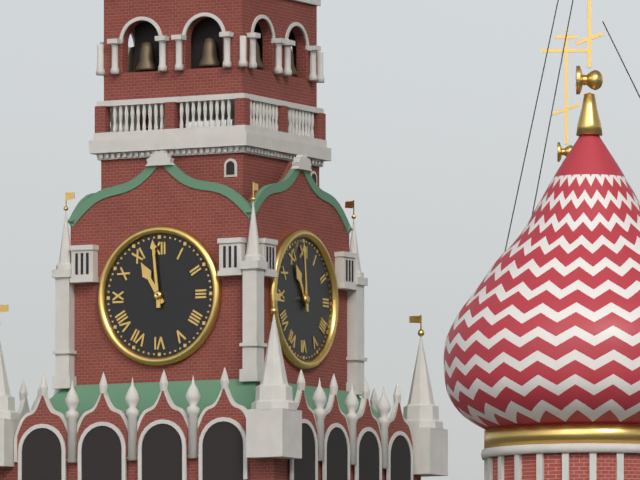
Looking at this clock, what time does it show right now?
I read 10:59
